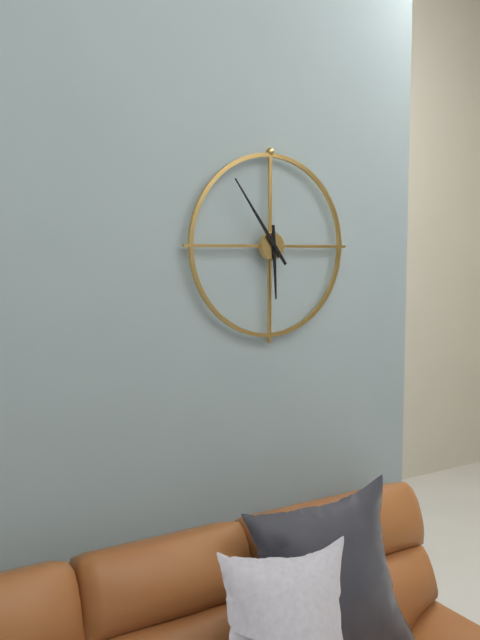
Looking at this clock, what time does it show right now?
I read 5:54
